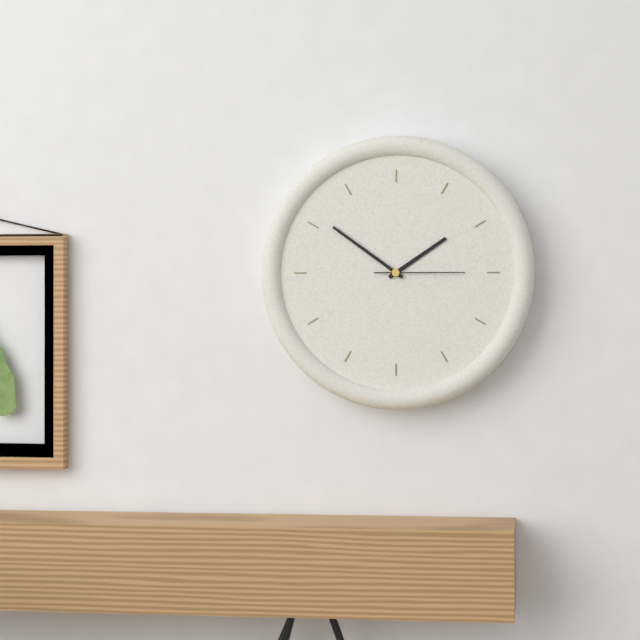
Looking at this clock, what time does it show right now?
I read 1:51:15
